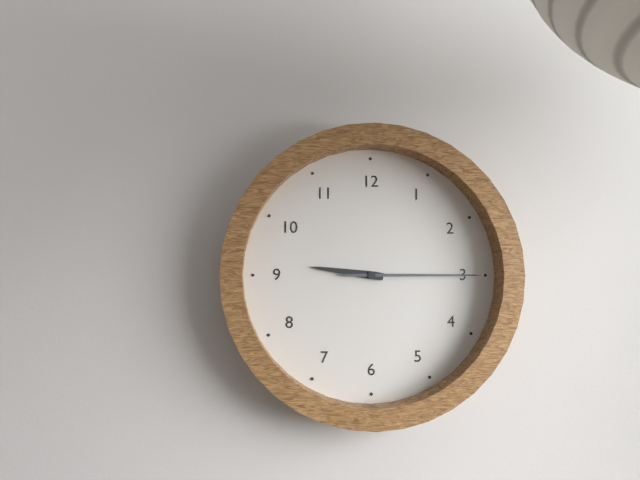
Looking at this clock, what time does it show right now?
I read 9:15
